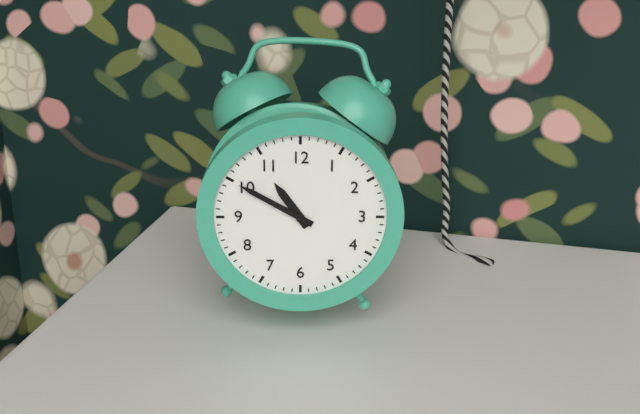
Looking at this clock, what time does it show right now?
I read 10:50
